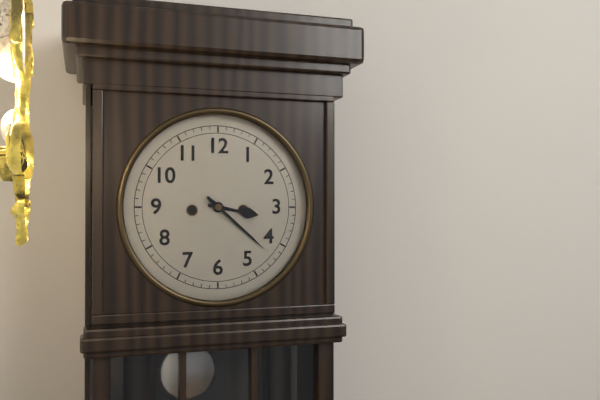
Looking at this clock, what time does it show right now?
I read 3:22
